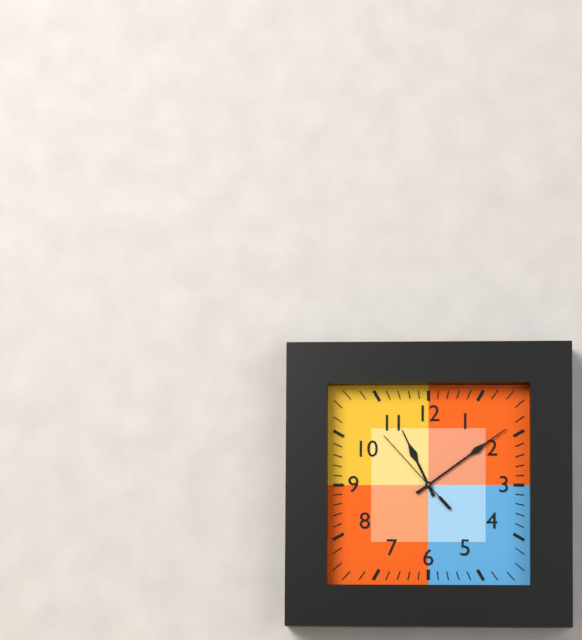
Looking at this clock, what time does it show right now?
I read 11:09:53
